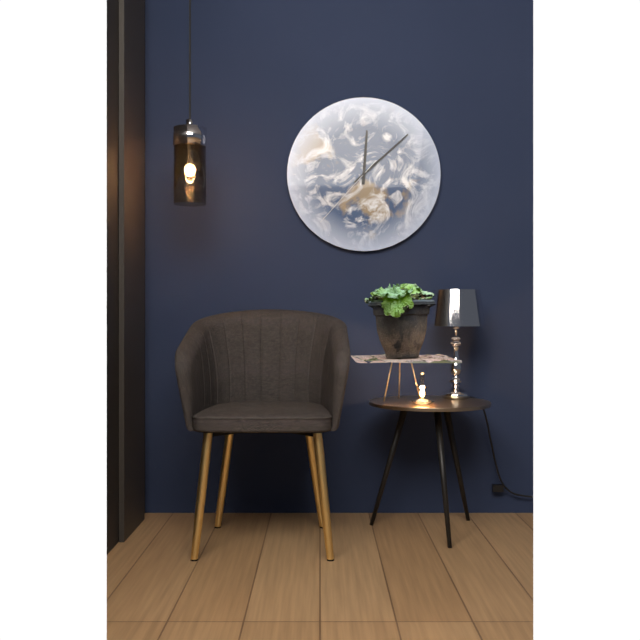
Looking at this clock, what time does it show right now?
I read 12:08:37
